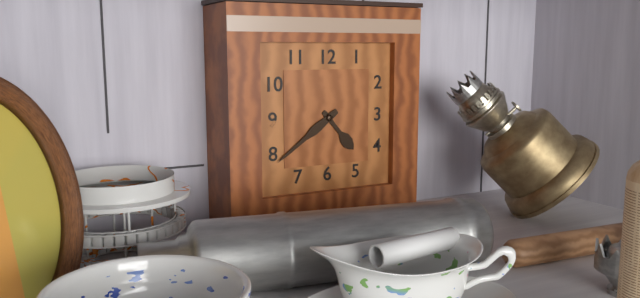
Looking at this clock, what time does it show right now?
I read 4:39
